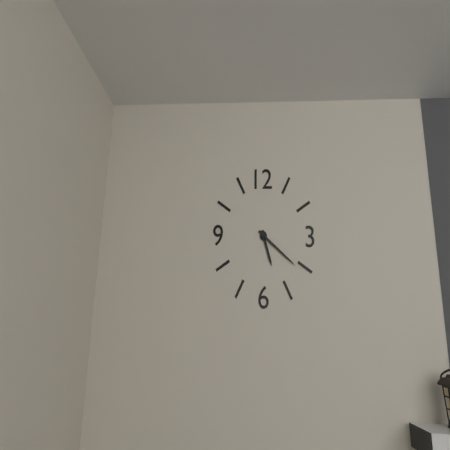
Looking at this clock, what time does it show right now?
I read 5:21
